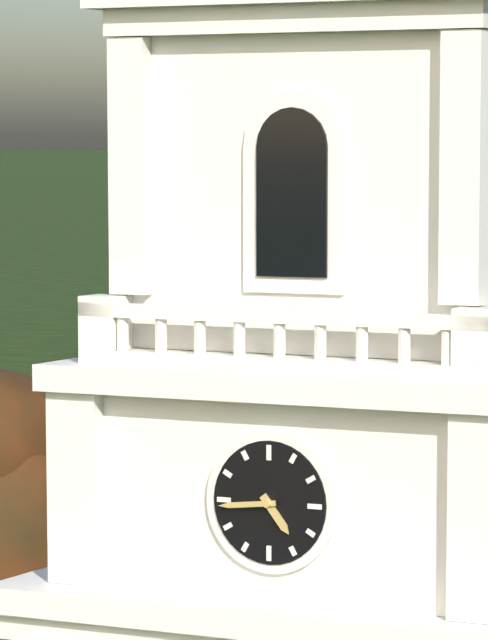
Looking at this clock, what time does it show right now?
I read 4:44
